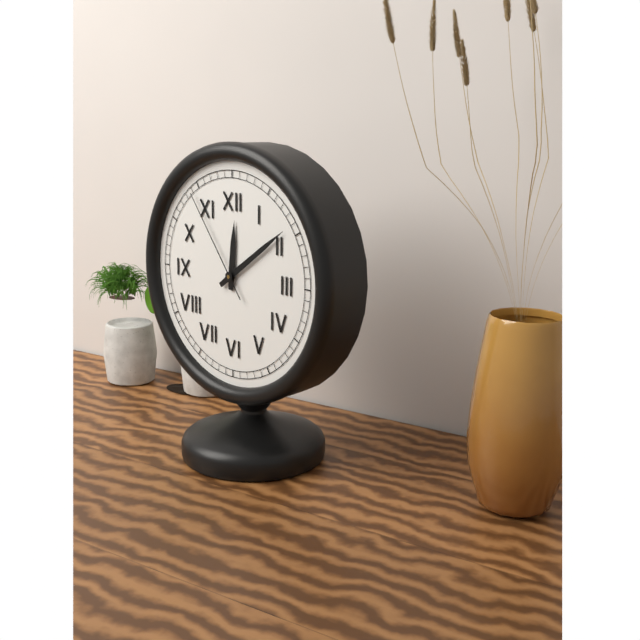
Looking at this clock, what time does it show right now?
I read 12:09:54
